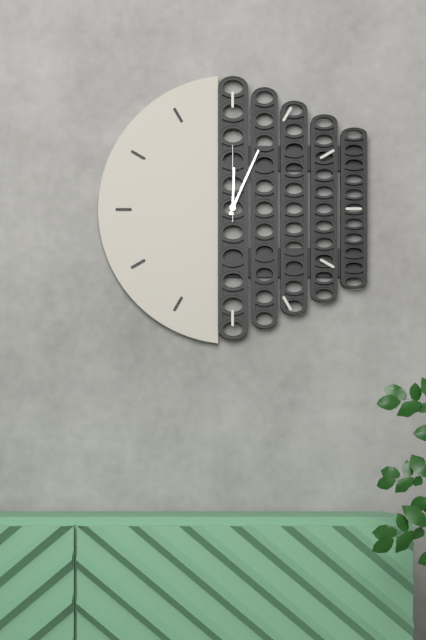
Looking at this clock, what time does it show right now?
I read 12:04:00
